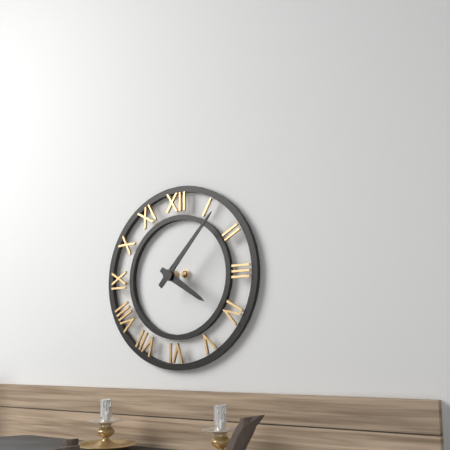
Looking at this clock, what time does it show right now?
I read 4:07
